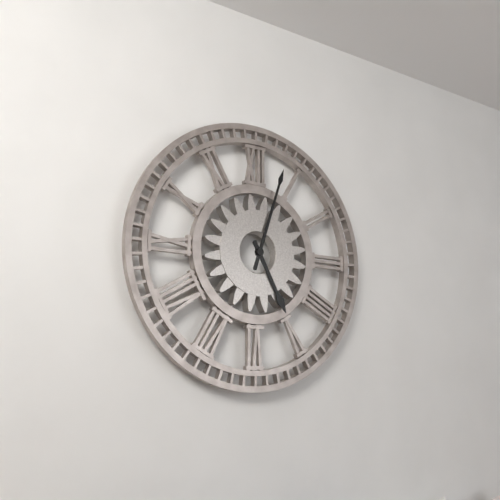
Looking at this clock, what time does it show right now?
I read 5:03
